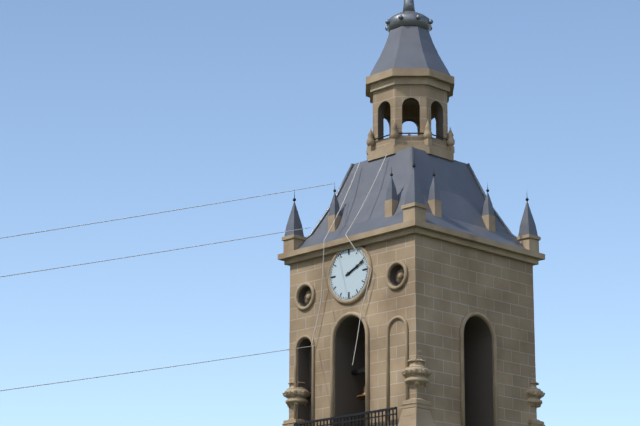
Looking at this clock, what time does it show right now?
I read 2:11
